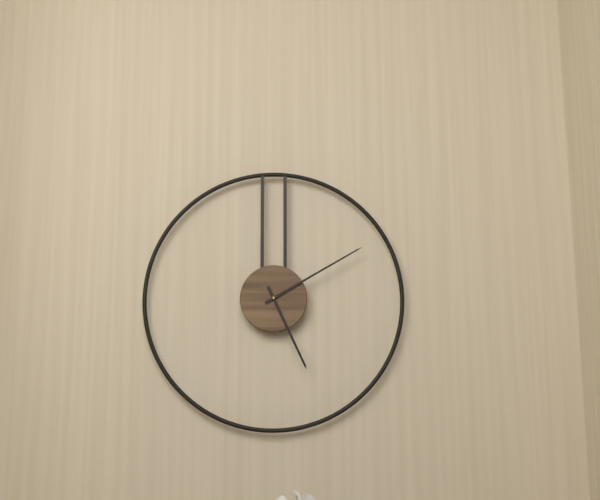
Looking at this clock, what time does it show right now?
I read 5:10
